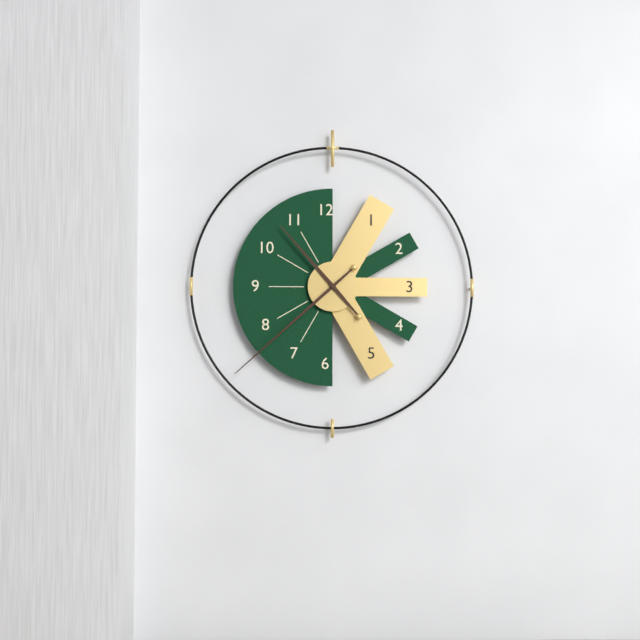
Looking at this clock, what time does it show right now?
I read 10:38
